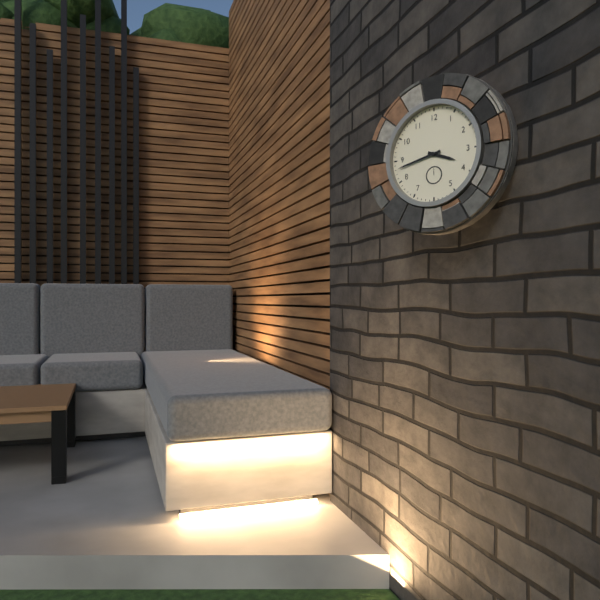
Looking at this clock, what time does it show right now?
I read 3:43
